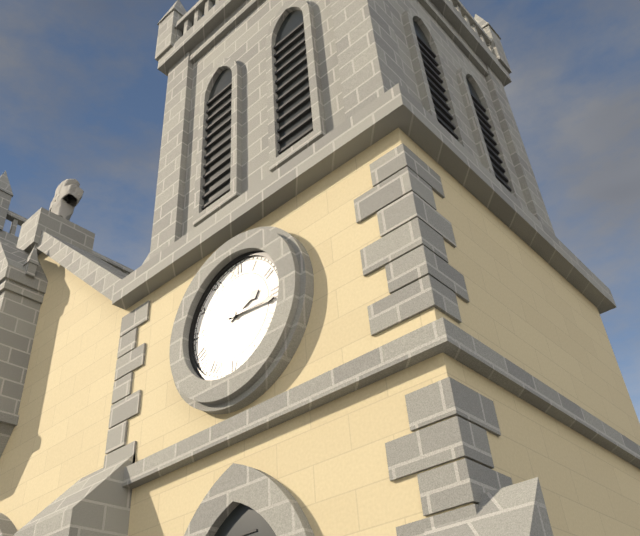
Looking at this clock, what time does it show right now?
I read 2:16
